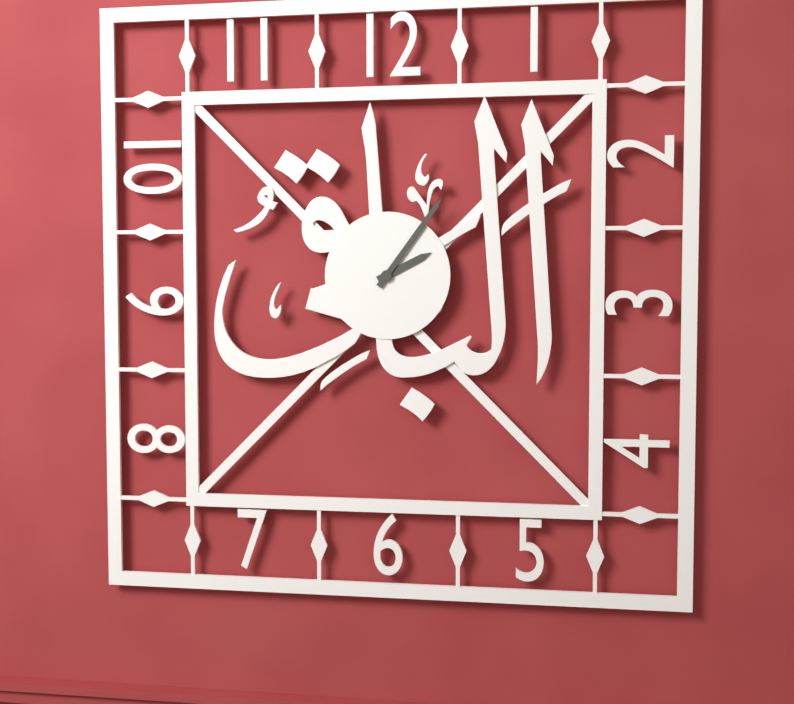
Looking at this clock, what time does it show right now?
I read 2:06
